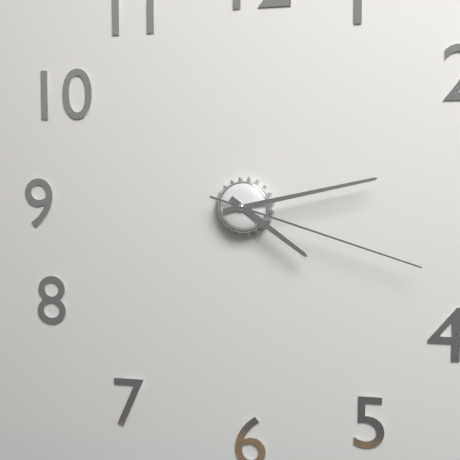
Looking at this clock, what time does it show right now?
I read 4:13:18
